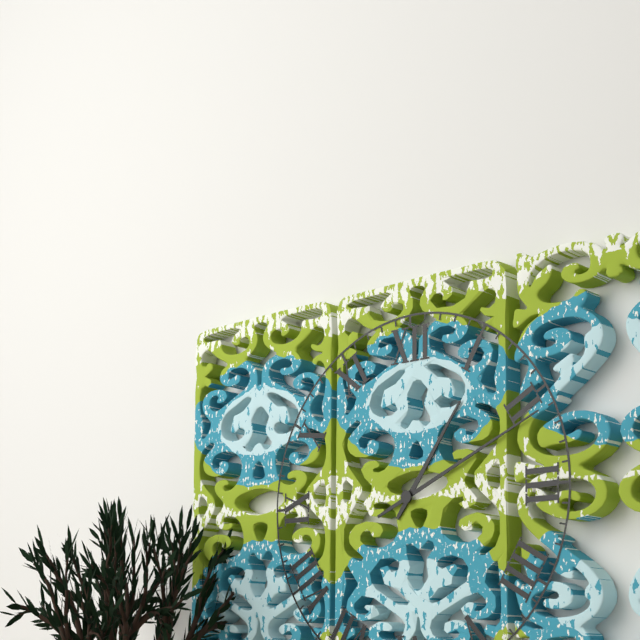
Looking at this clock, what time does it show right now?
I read 1:11
